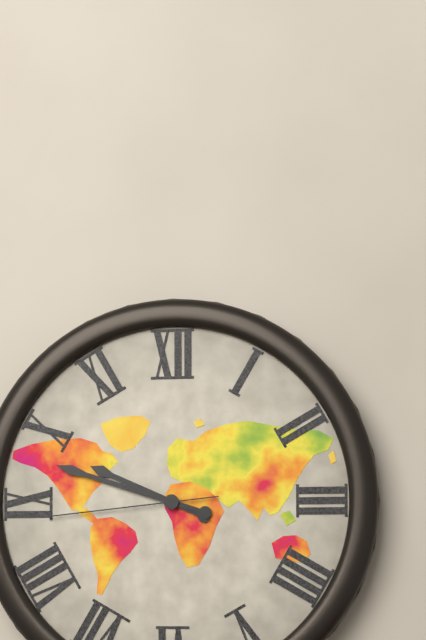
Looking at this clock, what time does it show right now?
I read 9:48:44
